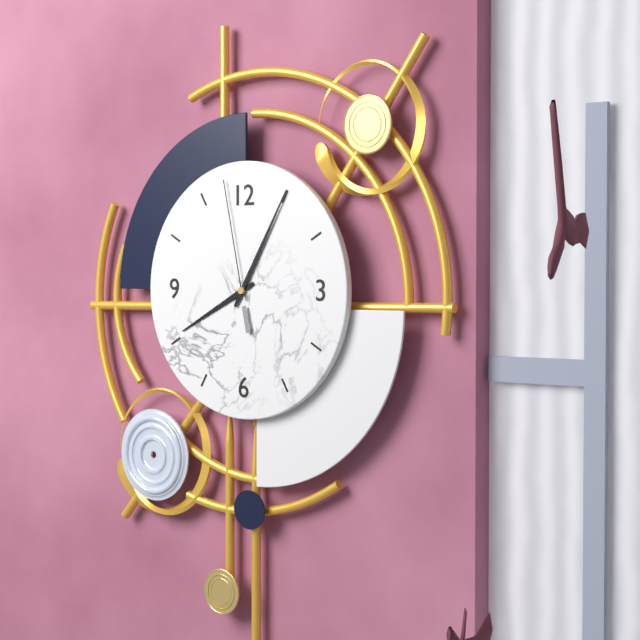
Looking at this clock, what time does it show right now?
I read 8:05:58
